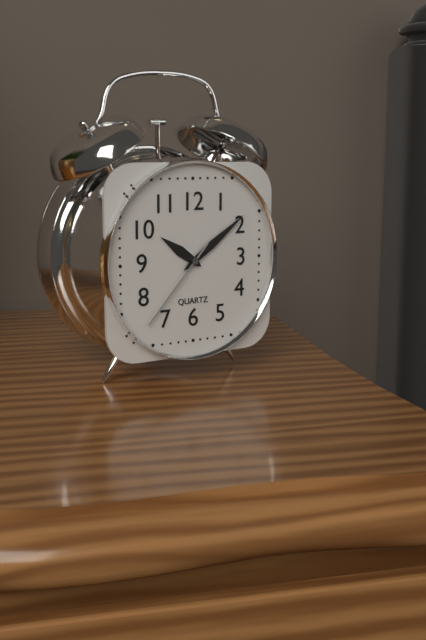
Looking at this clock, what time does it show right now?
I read 10:09:37
